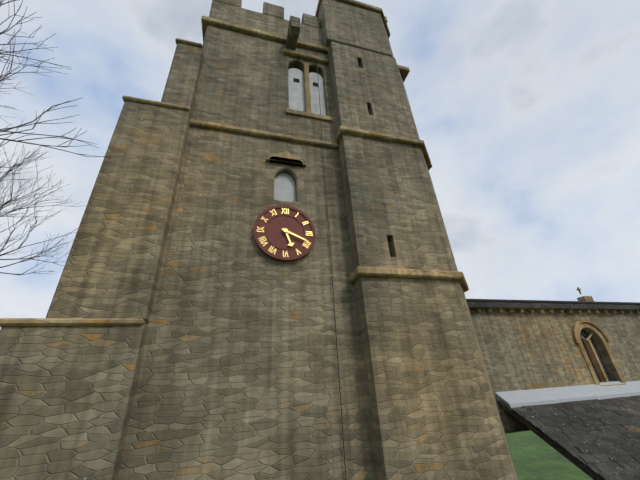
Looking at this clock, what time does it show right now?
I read 5:19
